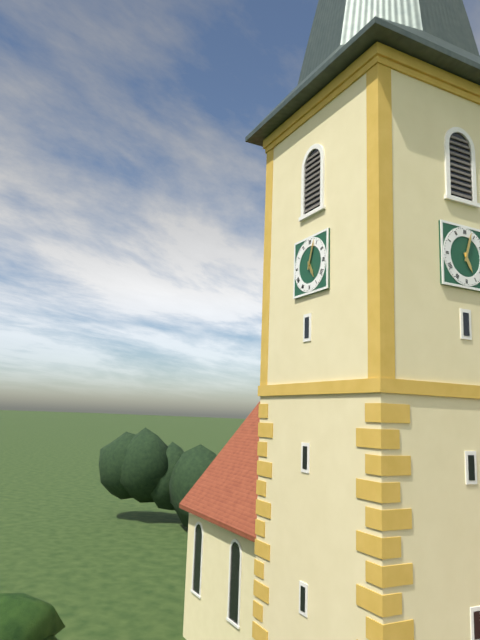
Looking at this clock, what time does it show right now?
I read 5:03
